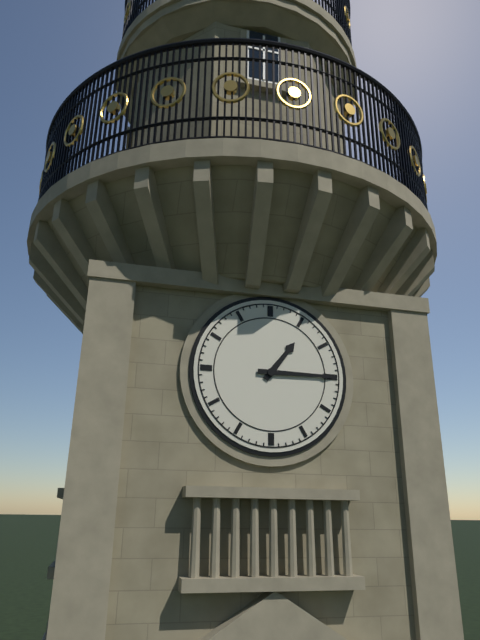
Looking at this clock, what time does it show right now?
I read 1:15
